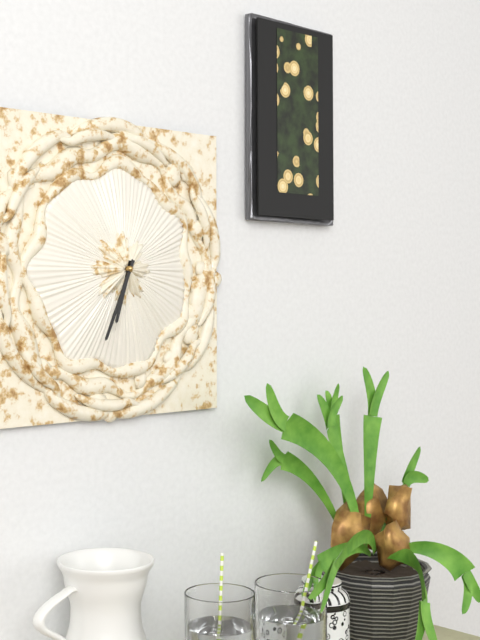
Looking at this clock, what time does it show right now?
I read 6:34
